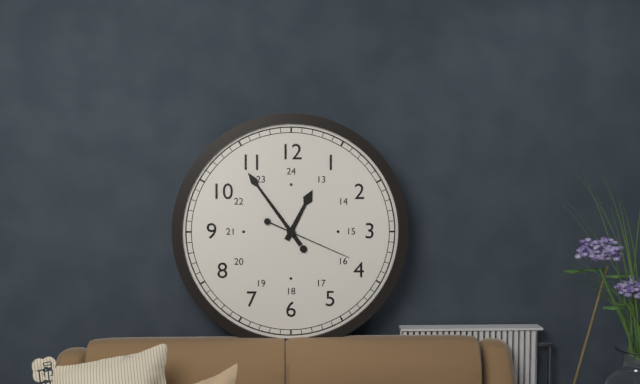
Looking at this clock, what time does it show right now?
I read 12:54:19
